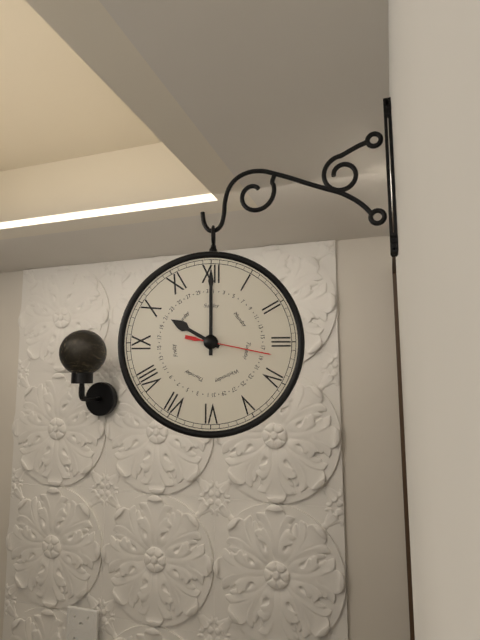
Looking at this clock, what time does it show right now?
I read 10:00:17
